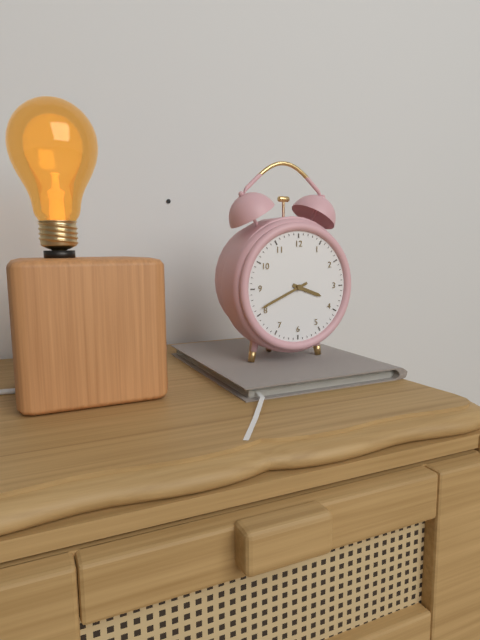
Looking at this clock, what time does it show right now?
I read 3:41
